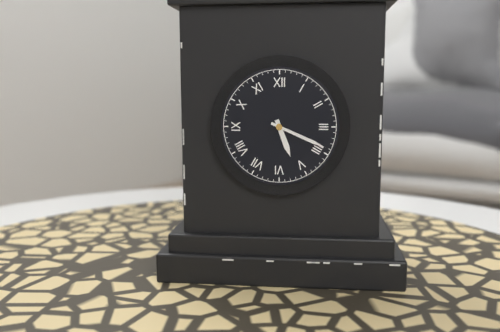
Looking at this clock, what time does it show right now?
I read 5:19
